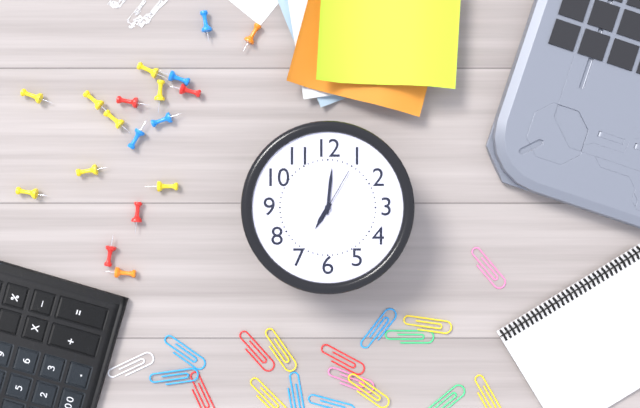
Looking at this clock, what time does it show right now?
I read 7:01:05
